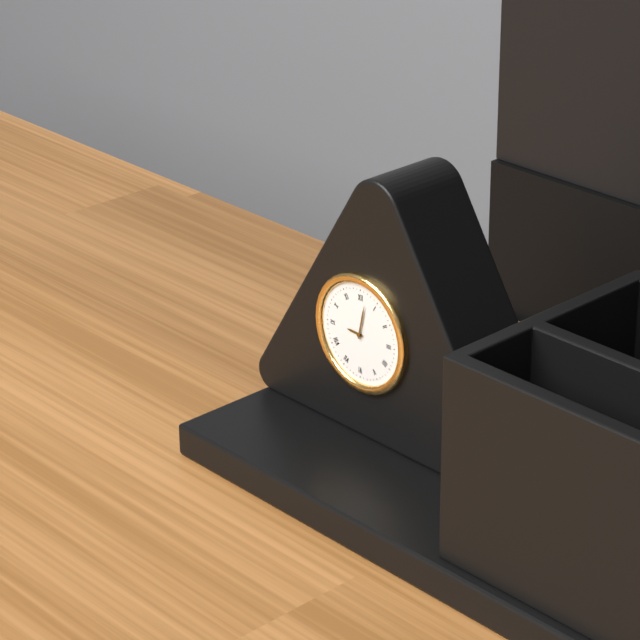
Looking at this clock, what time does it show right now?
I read 9:02
